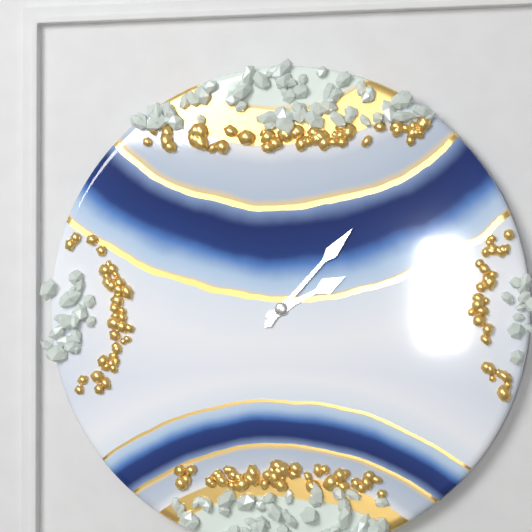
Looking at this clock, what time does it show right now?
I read 2:07
